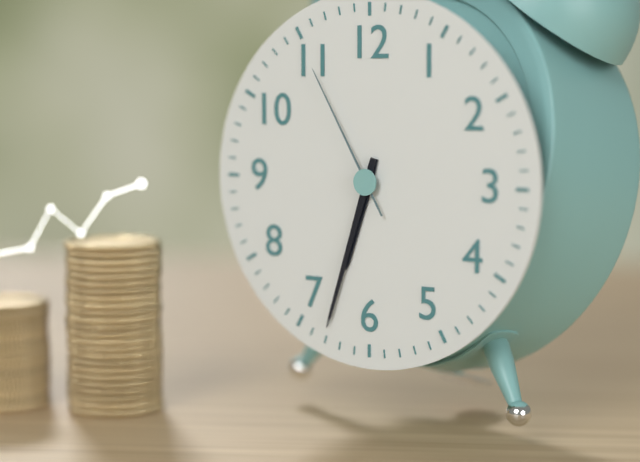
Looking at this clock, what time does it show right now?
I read 6:33:55
